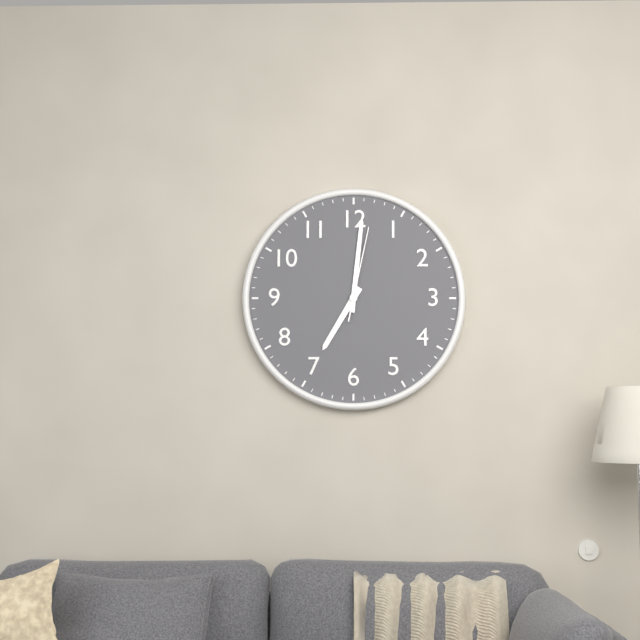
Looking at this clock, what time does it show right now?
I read 7:01:02
